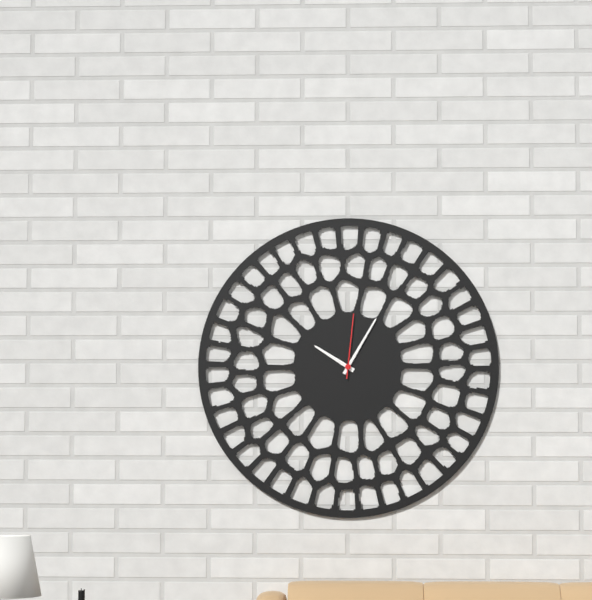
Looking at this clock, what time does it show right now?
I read 10:05:01
